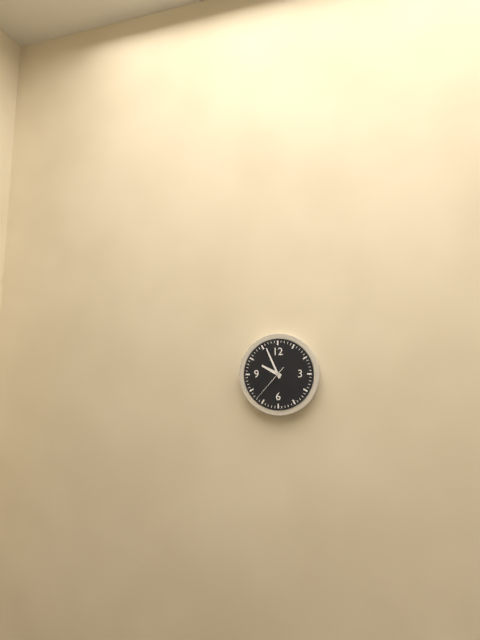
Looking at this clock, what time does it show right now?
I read 9:56
